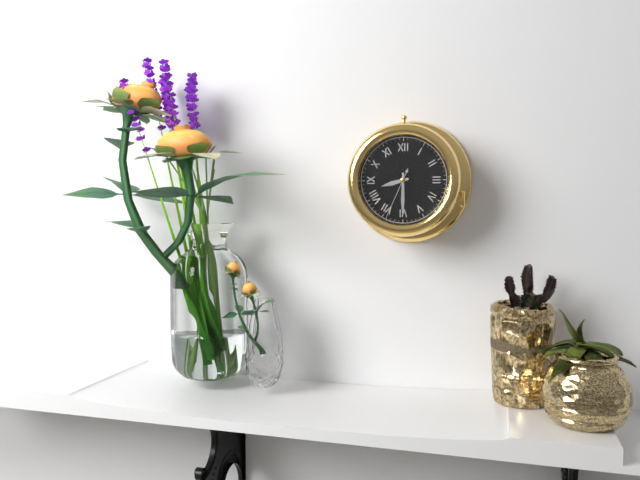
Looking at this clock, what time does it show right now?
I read 8:30:34
